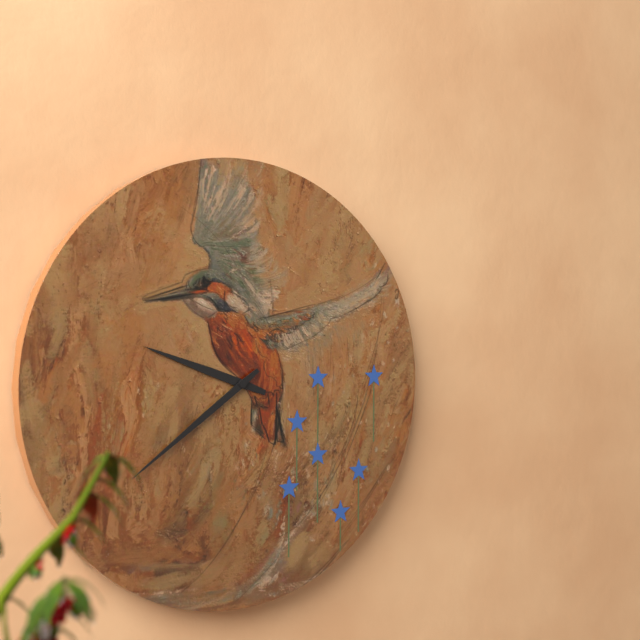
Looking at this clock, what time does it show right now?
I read 9:39
